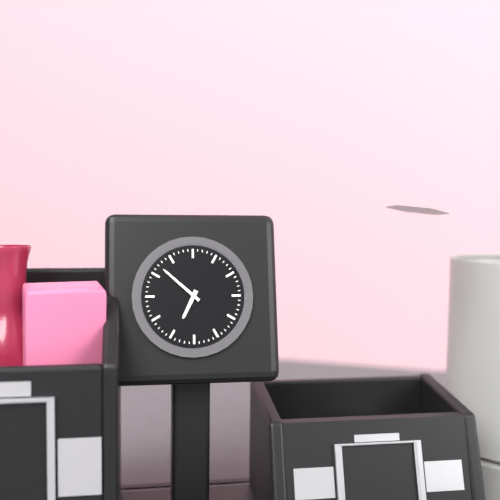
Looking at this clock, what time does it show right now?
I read 6:52
